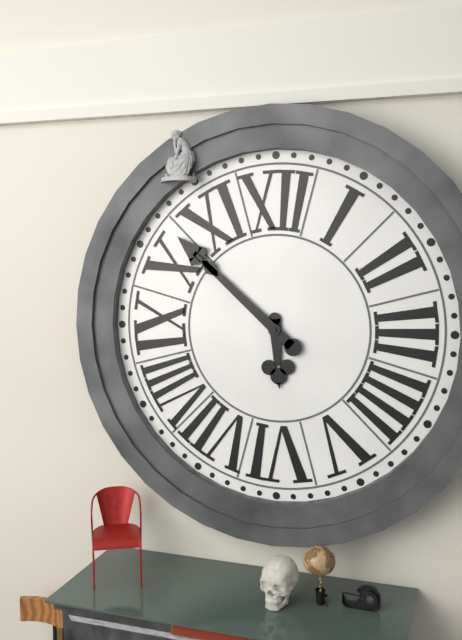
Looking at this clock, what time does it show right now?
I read 5:52
